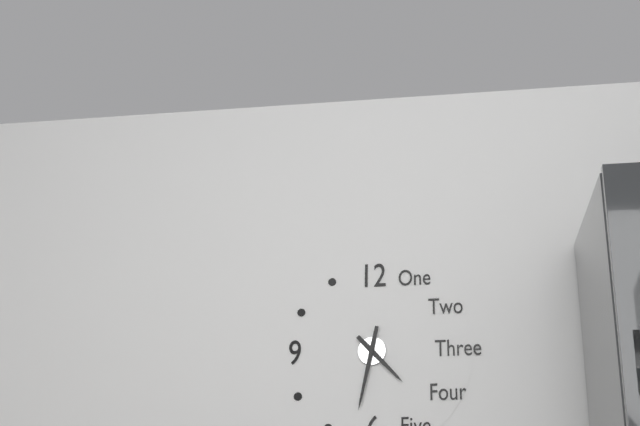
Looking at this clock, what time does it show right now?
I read 4:32
